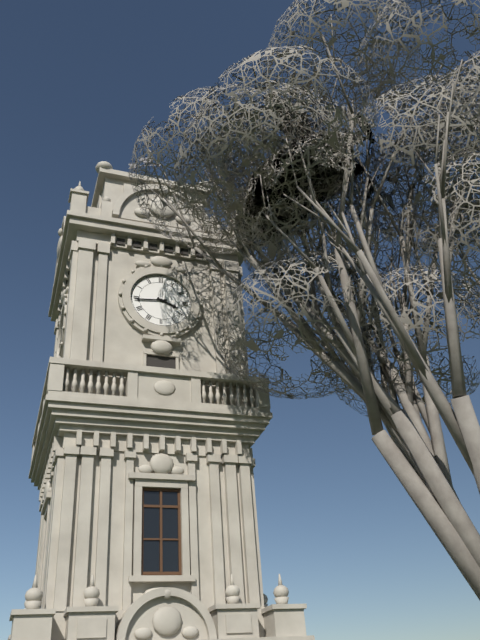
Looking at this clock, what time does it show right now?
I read 3:44
